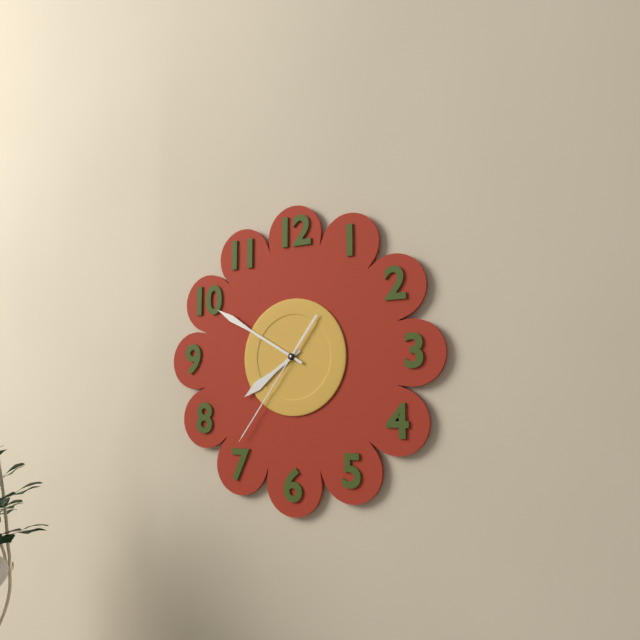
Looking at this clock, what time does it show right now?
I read 7:50:36
